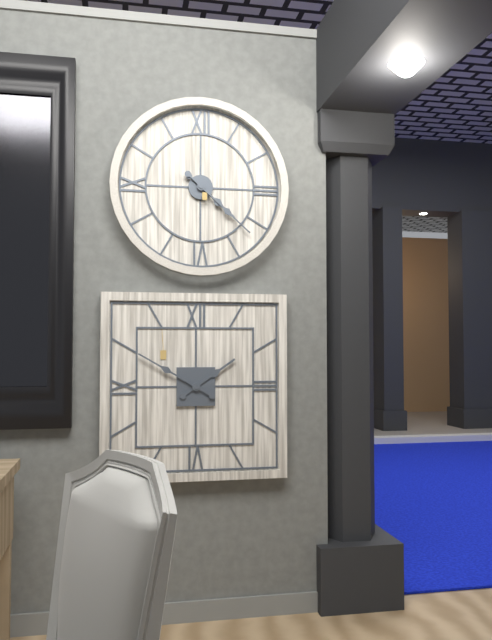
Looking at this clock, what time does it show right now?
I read 4:22
